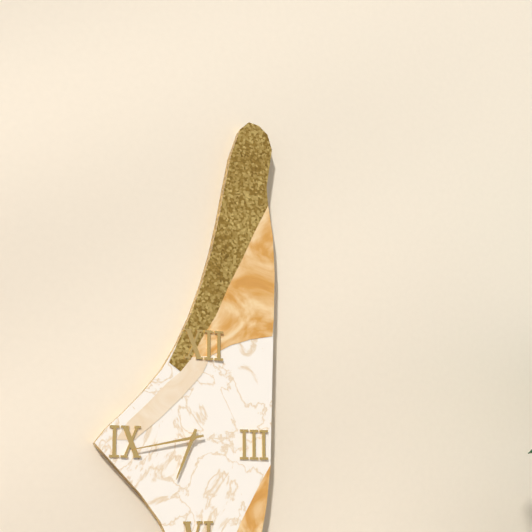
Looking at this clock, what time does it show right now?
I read 6:43
